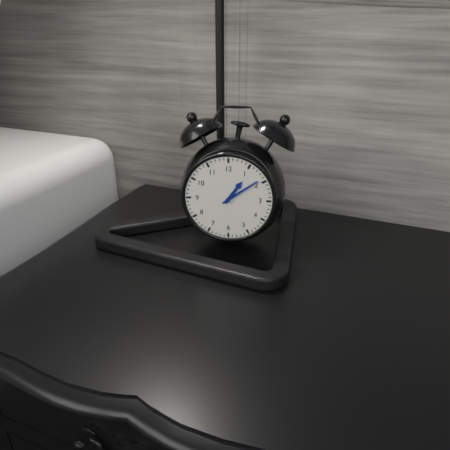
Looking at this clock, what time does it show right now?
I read 1:09
